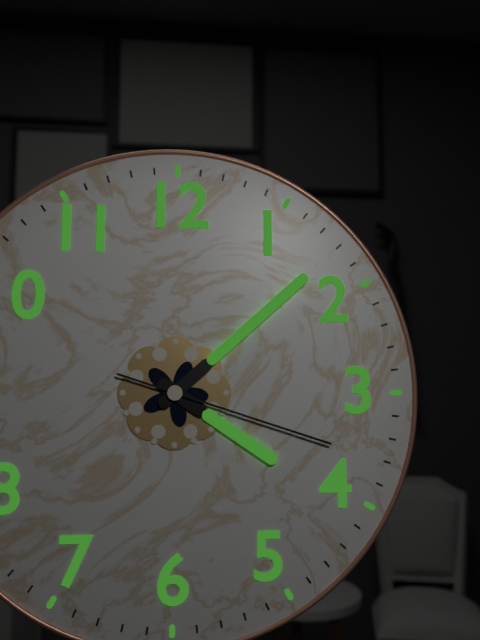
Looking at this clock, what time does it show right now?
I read 4:08:18
